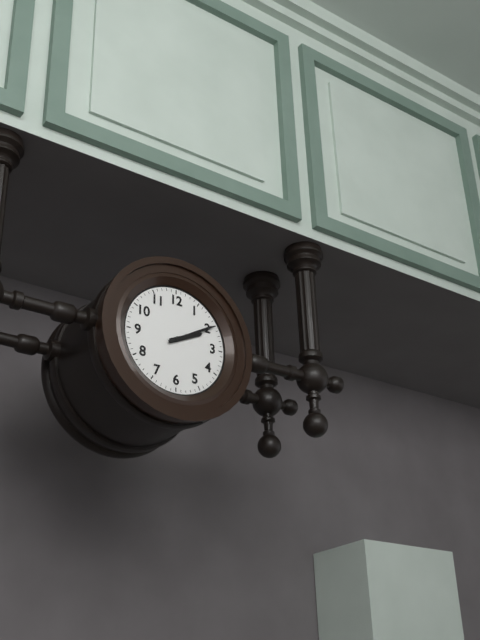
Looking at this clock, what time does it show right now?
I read 2:10
